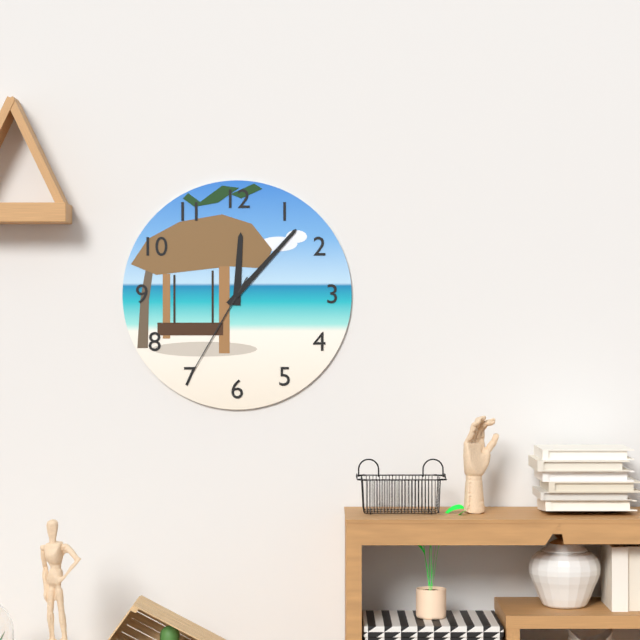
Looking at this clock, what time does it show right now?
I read 12:07:35
